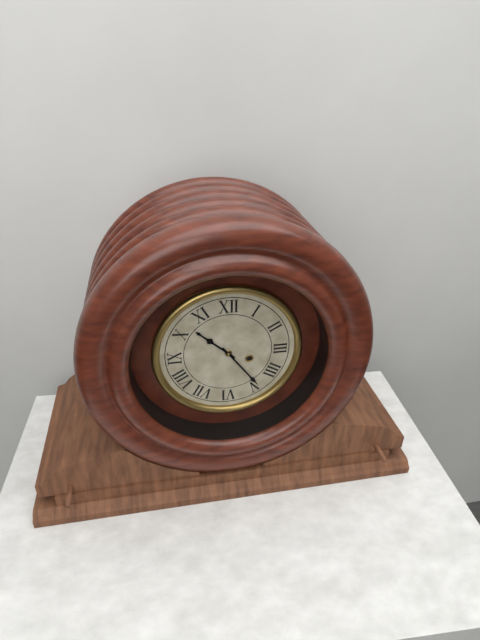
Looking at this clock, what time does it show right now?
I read 10:24
